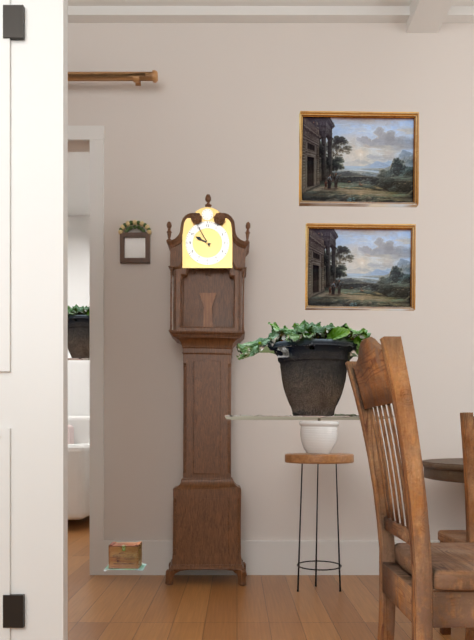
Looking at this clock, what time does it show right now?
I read 9:55
